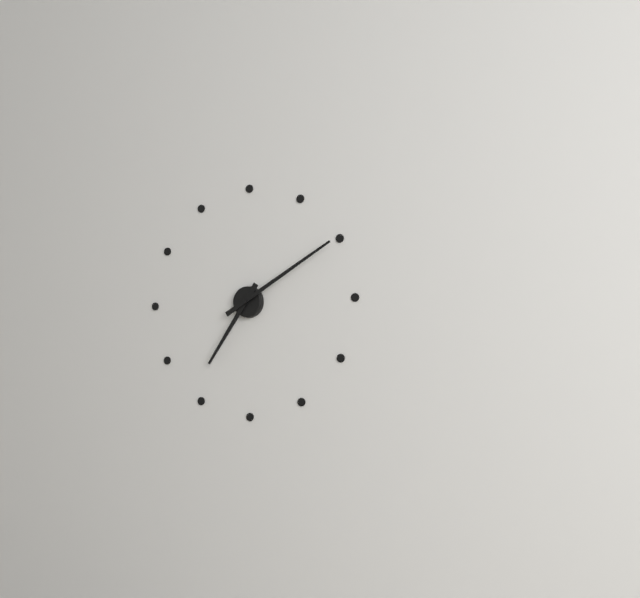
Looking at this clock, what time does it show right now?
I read 7:10
